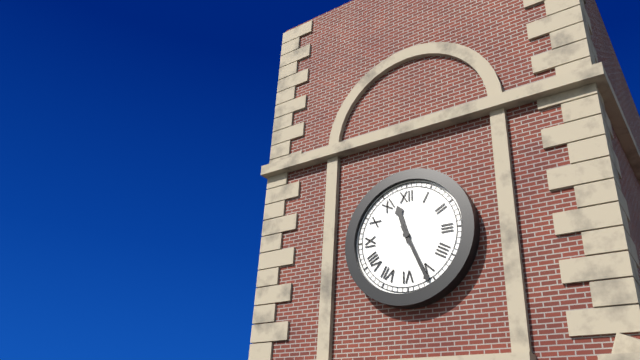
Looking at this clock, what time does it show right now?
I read 11:26
